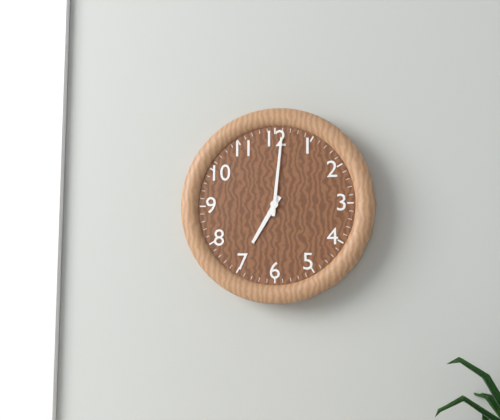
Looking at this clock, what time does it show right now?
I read 7:01
